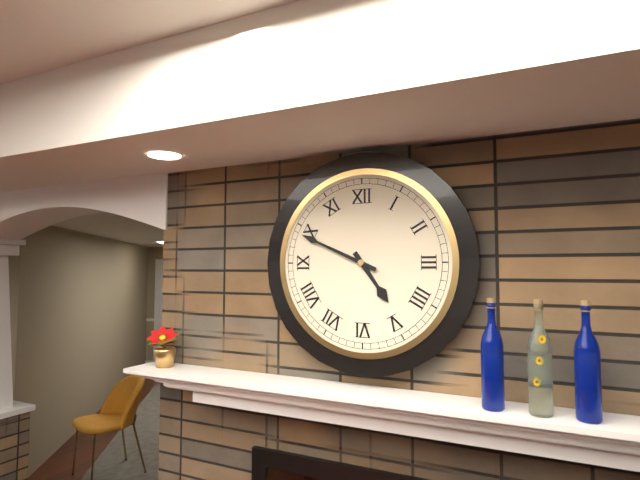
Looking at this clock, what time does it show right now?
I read 4:49
